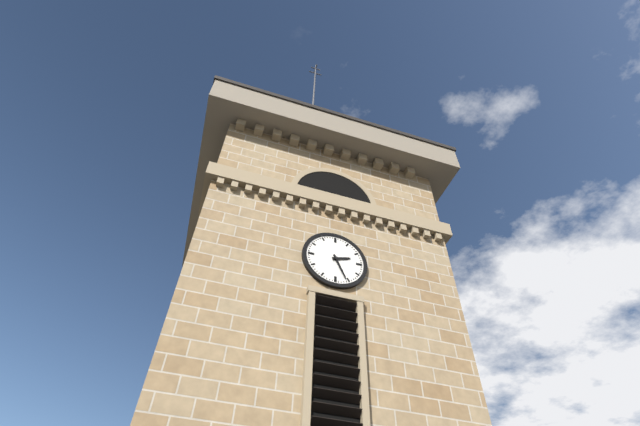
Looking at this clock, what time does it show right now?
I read 2:26
